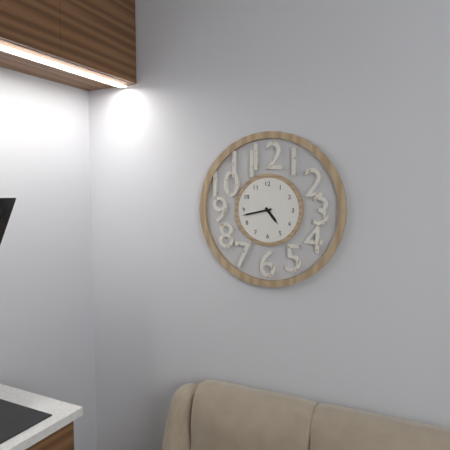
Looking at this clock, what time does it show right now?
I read 4:43
